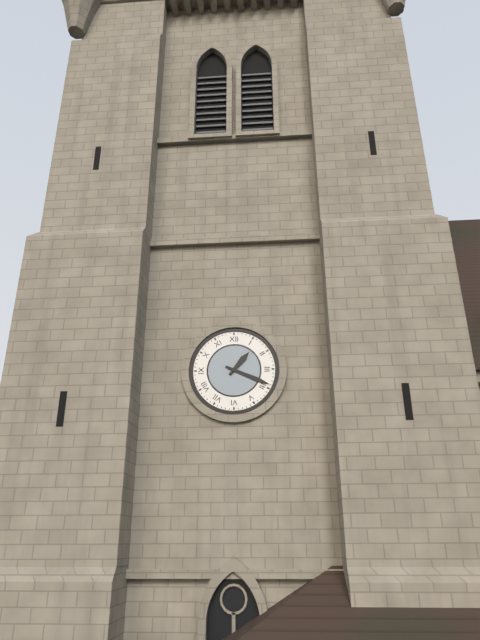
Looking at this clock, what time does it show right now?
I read 1:19
